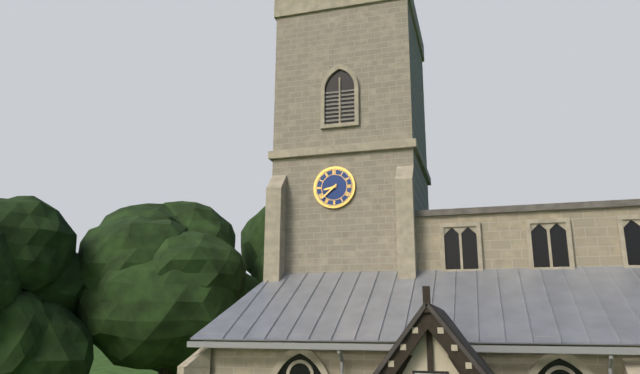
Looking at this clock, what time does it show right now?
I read 8:38
